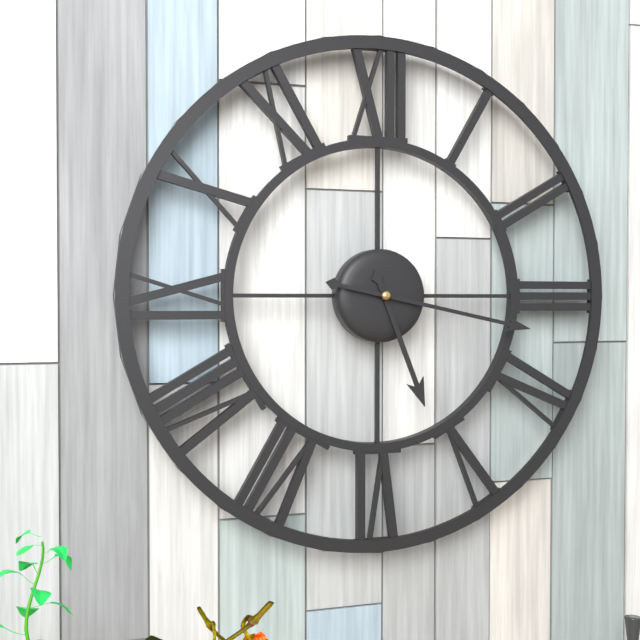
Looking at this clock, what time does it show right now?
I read 5:17
